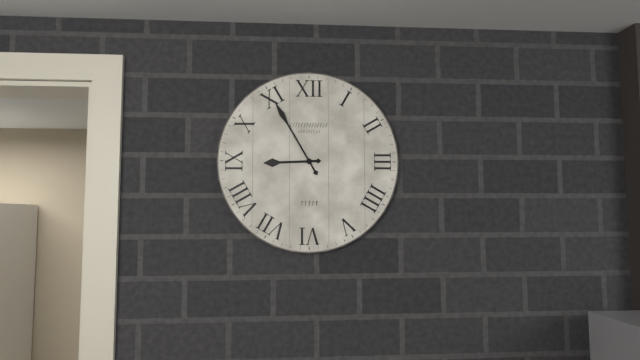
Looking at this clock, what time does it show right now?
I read 8:55
